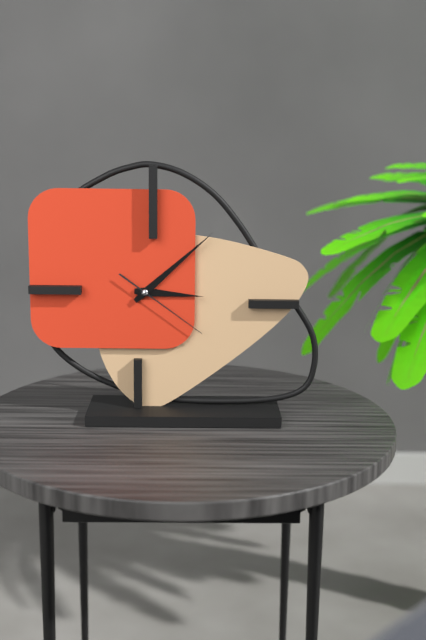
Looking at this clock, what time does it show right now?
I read 3:08:21
